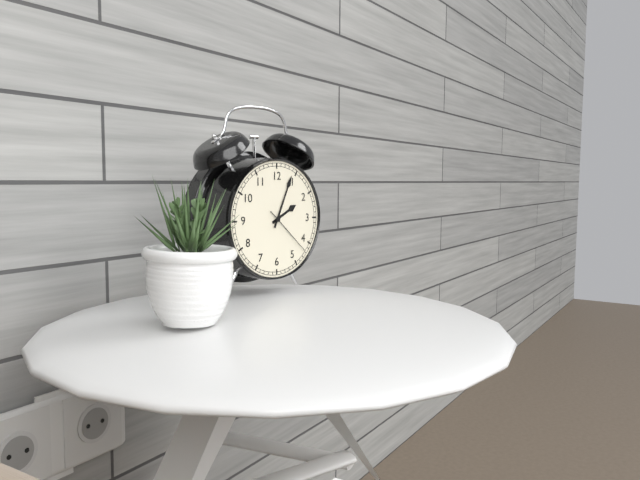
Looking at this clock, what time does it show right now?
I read 2:04:22
